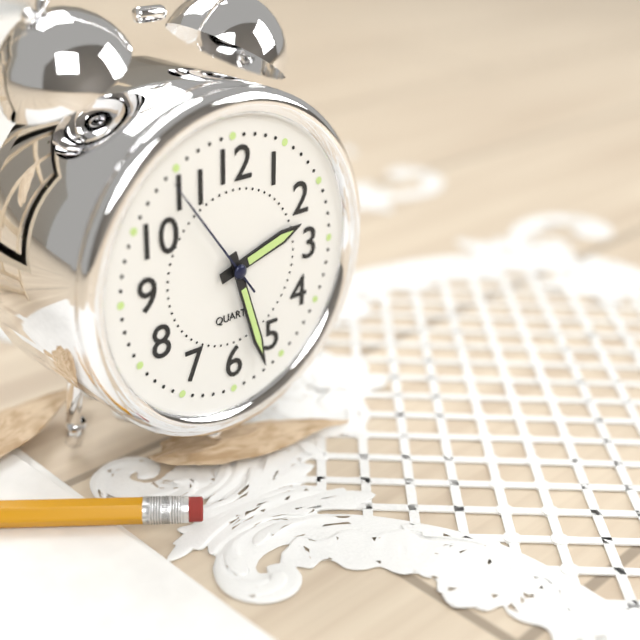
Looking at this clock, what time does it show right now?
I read 2:27:54
